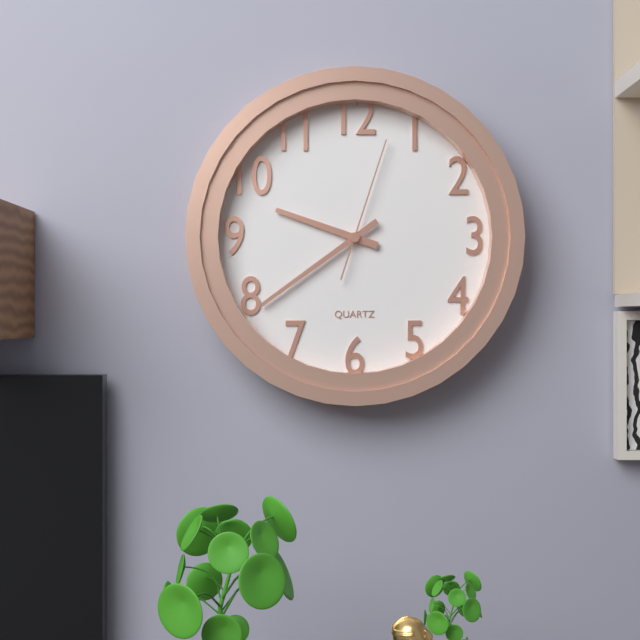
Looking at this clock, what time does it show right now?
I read 9:39:03
